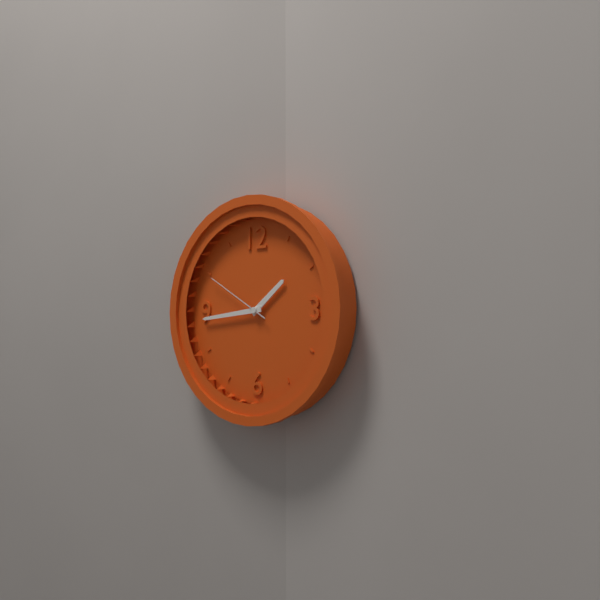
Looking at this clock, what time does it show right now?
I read 1:44:50
